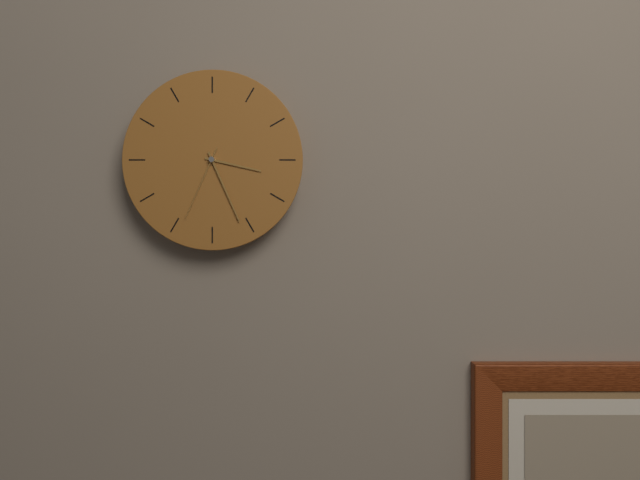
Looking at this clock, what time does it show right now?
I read 3:26:34
